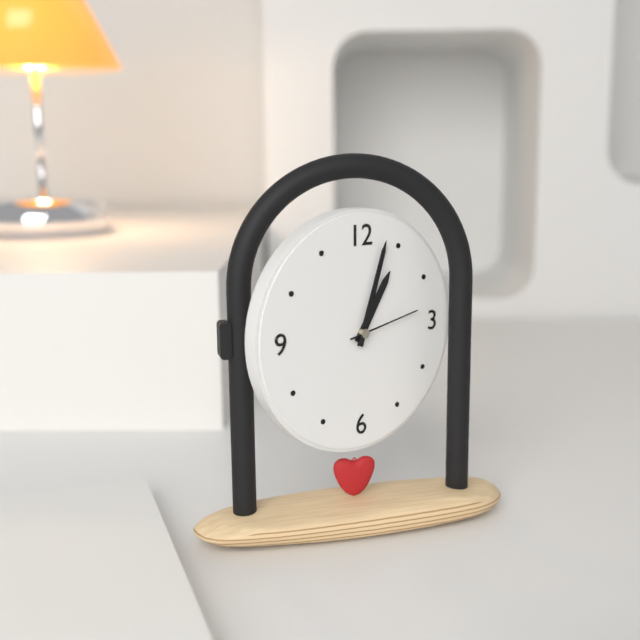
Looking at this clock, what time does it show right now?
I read 1:03:13
